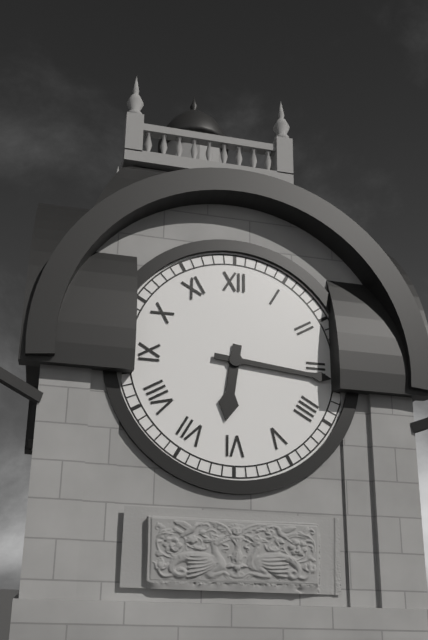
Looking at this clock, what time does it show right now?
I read 6:16
